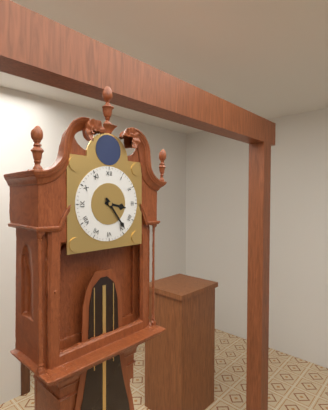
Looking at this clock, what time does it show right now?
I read 3:24
